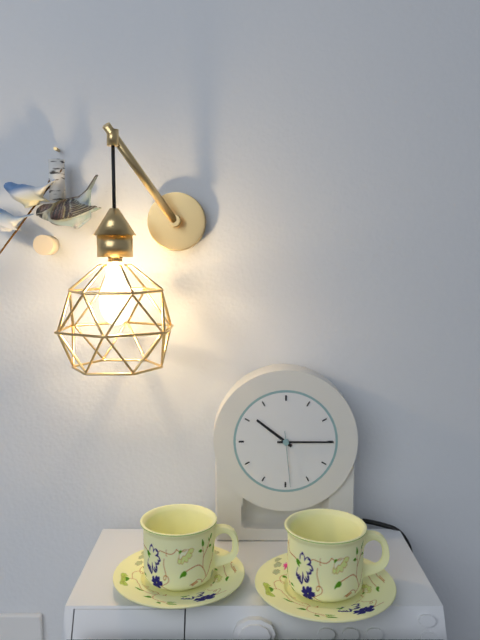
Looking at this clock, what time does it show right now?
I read 10:15:29
